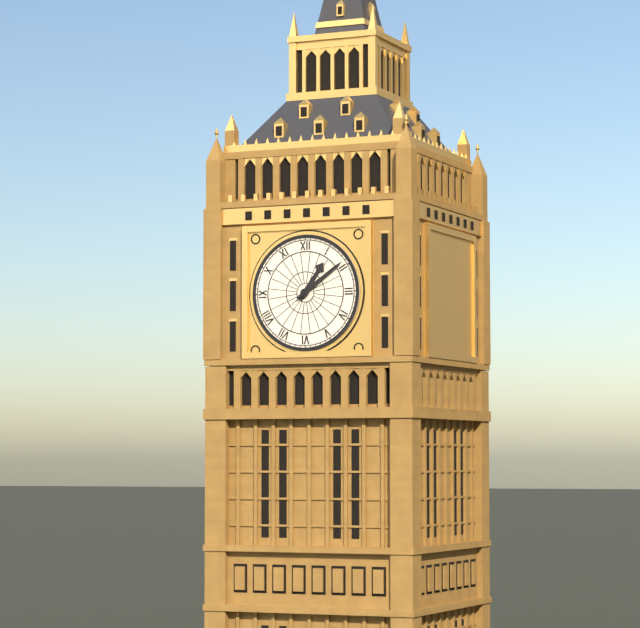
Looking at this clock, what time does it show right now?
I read 1:09
